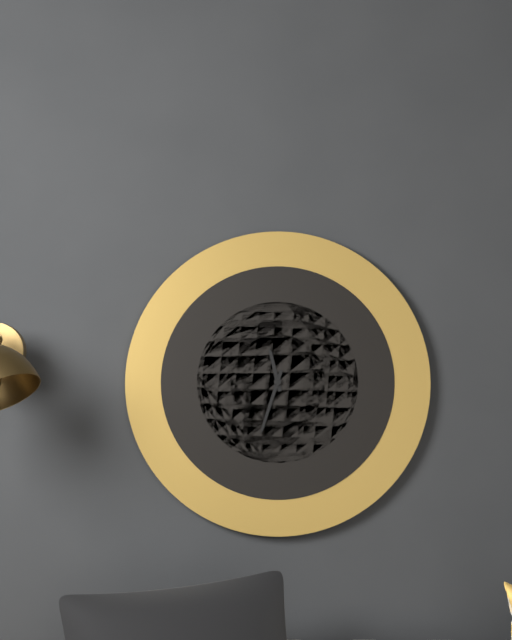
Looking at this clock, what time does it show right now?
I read 11:33
